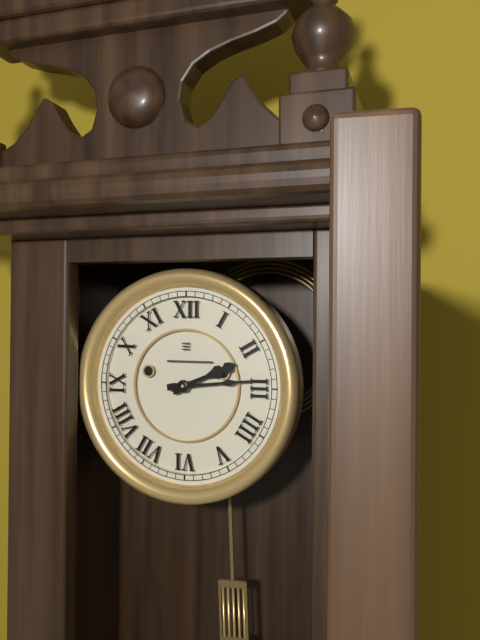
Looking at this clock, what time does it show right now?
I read 2:14
